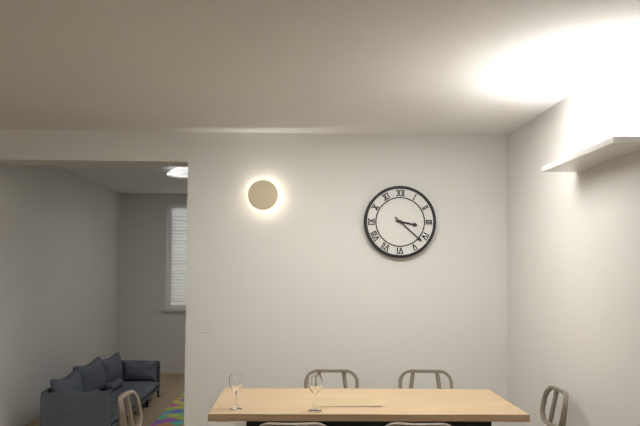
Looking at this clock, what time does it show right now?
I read 3:22
